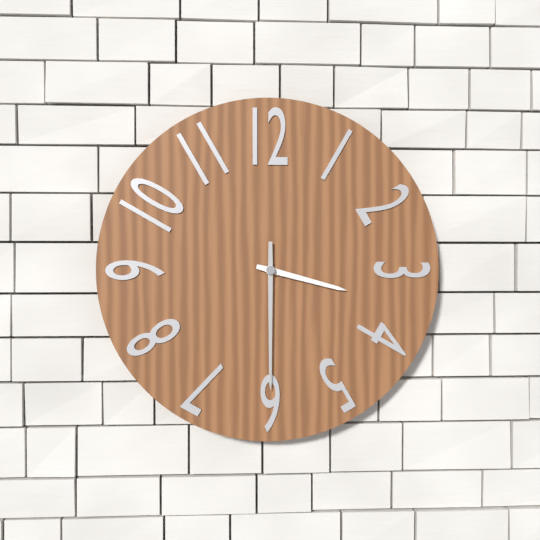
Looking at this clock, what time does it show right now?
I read 3:30
